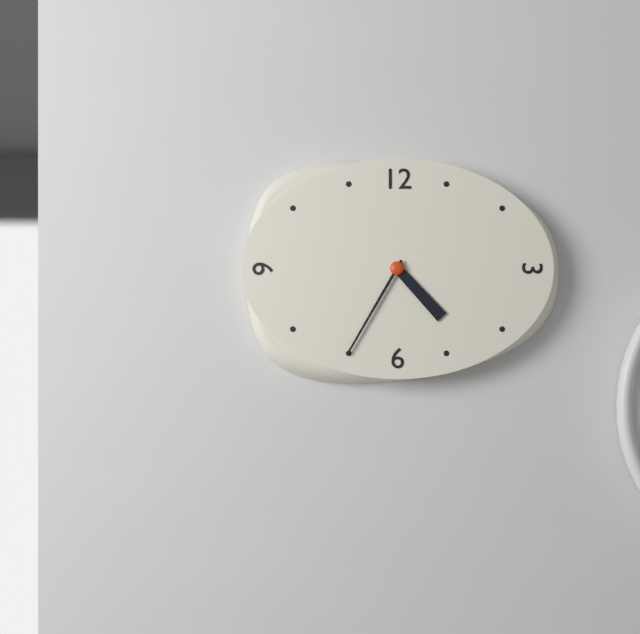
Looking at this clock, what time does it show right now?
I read 4:35
